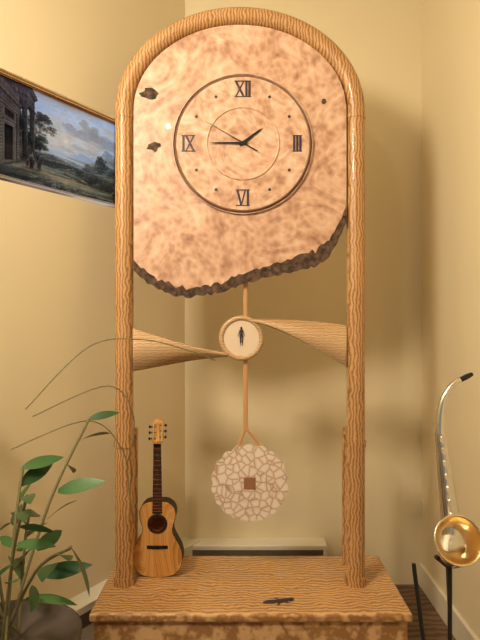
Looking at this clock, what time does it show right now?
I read 1:45:50
